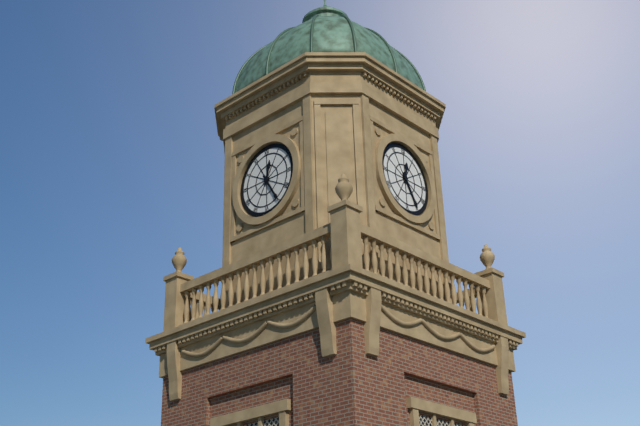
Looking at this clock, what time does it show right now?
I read 12:25
